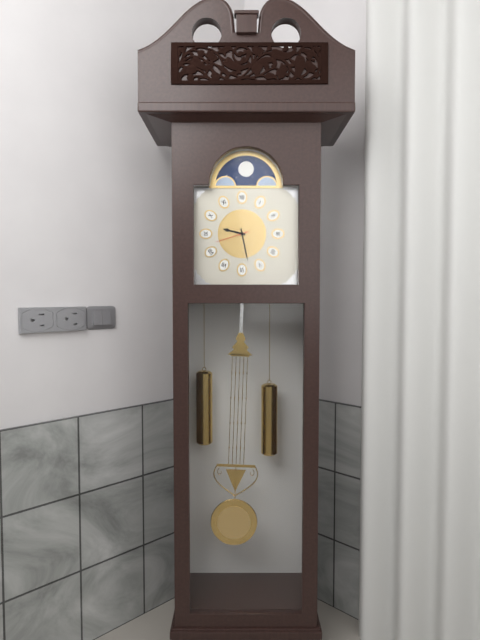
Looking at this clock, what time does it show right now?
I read 9:28
